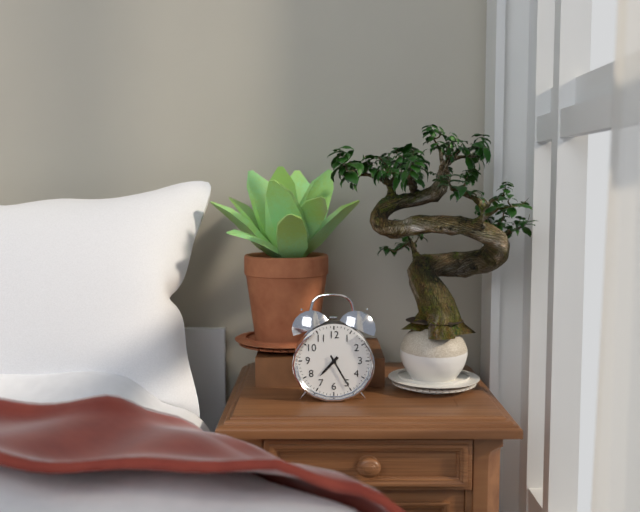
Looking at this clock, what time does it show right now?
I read 7:25
